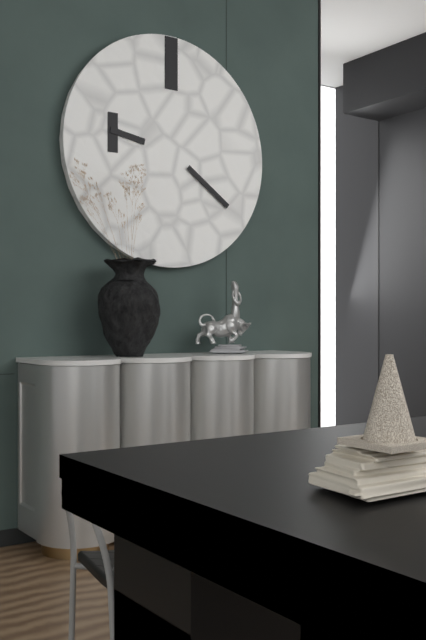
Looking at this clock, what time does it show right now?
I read 9:21
